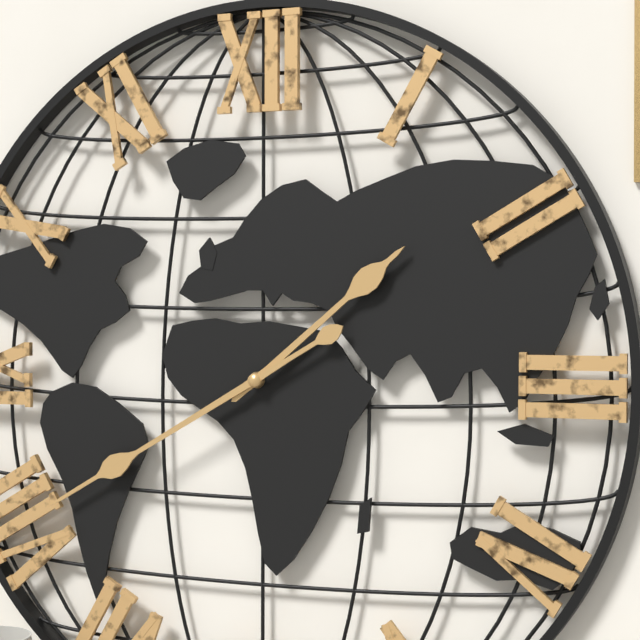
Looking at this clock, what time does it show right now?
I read 1:40
